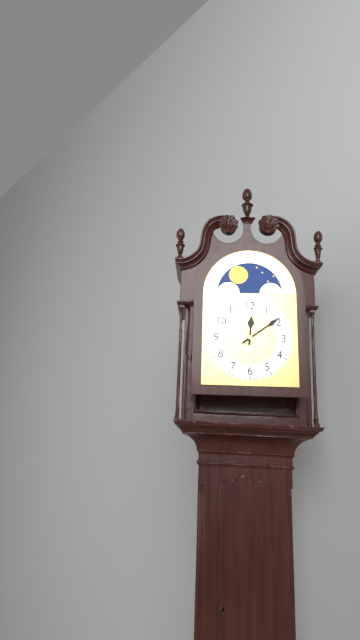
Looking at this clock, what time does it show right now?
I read 12:09
